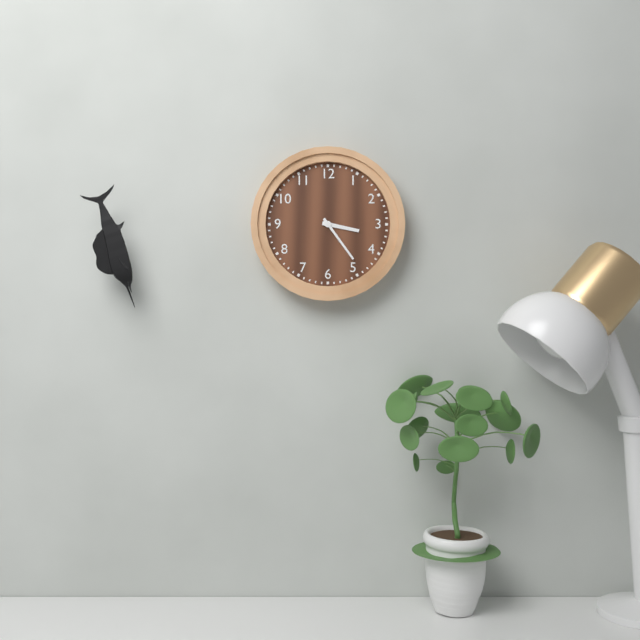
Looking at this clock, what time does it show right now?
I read 3:24
